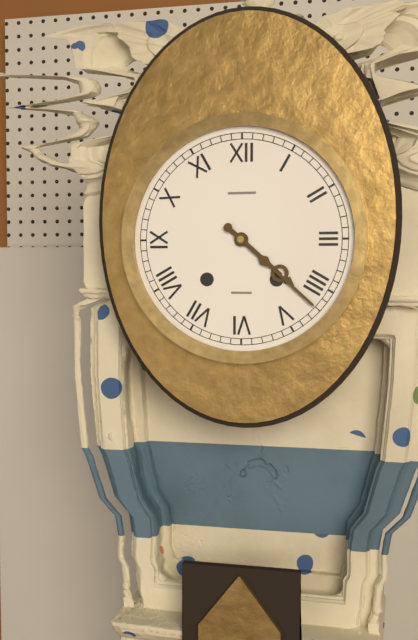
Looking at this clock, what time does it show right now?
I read 4:22
